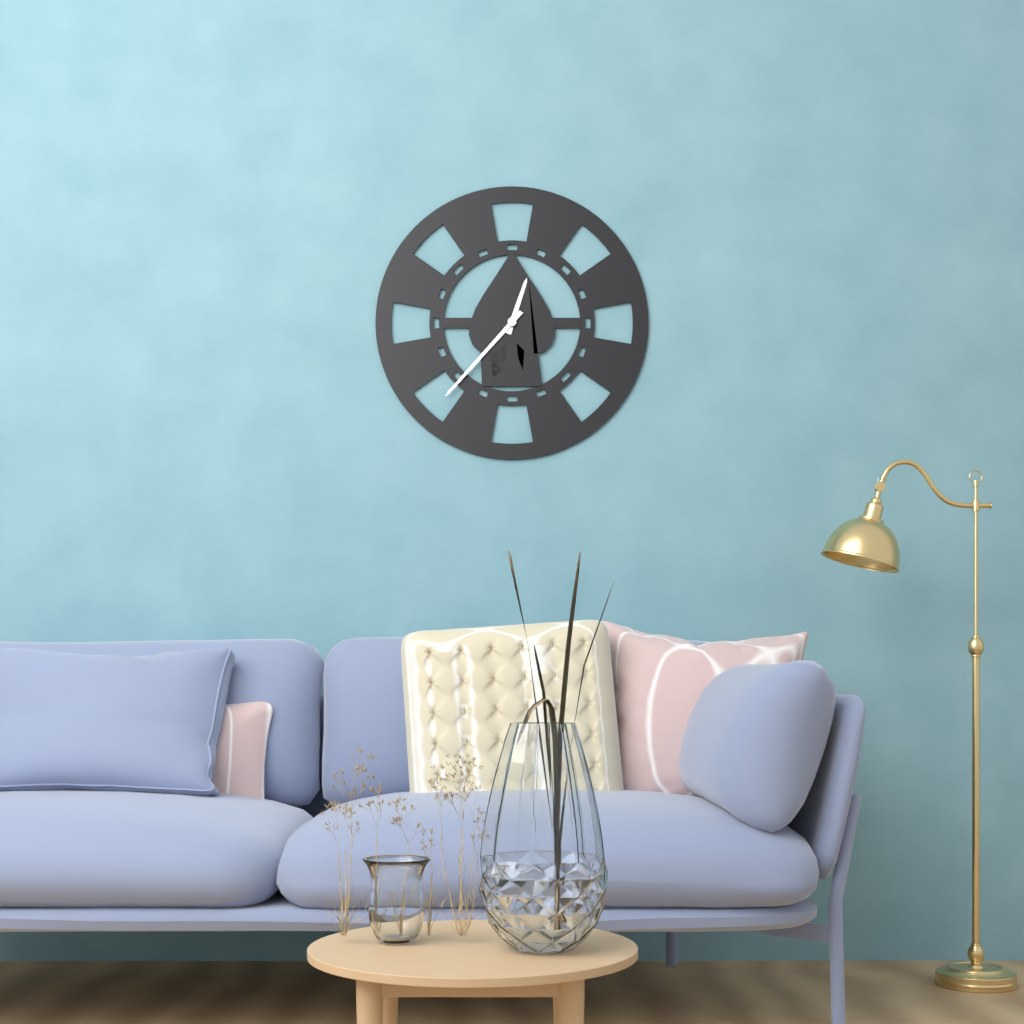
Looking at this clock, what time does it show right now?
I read 12:37
